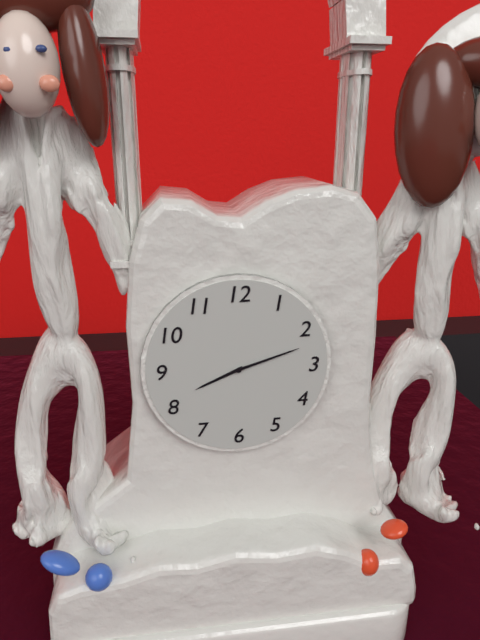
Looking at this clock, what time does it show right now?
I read 8:12
